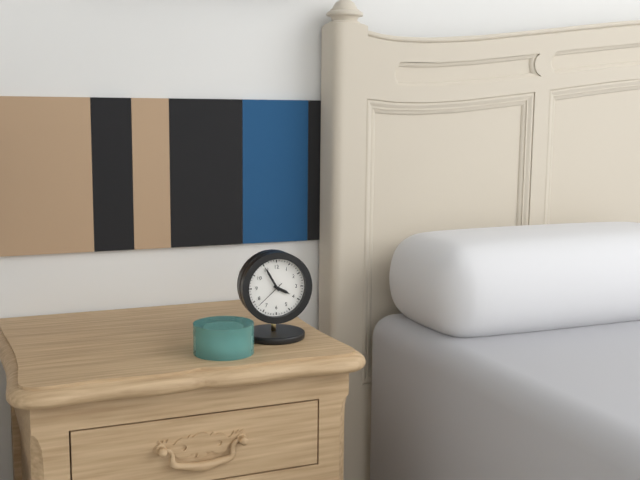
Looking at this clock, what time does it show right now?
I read 3:55
